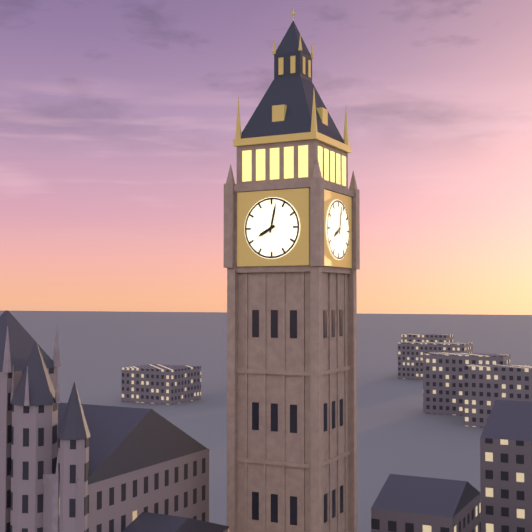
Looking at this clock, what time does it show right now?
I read 8:02
